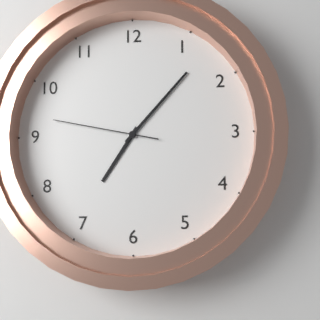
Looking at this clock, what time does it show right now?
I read 7:07:47
